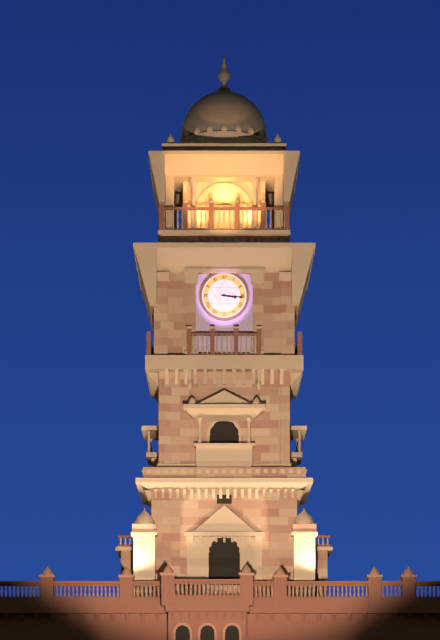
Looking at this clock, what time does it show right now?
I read 3:16
